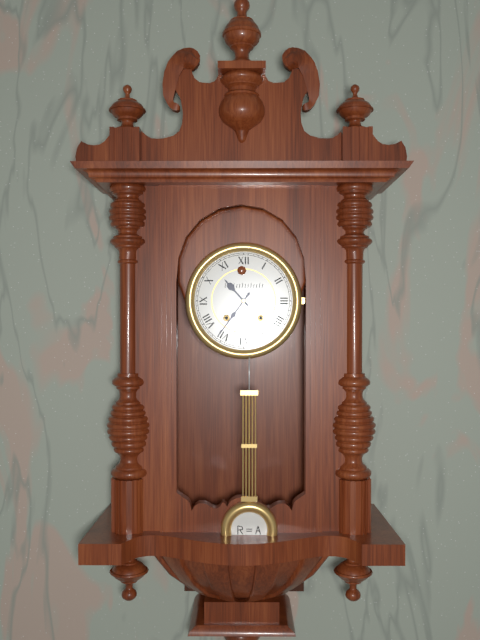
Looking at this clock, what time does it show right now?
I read 10:36
